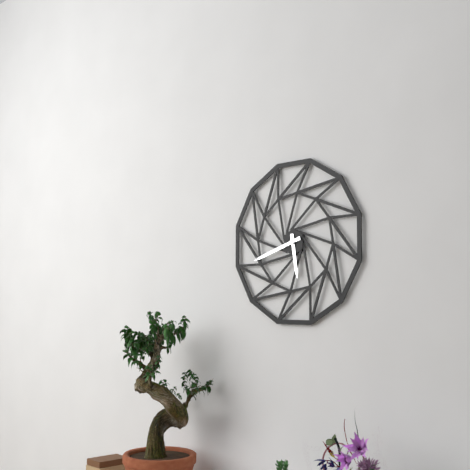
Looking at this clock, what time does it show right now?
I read 5:42
